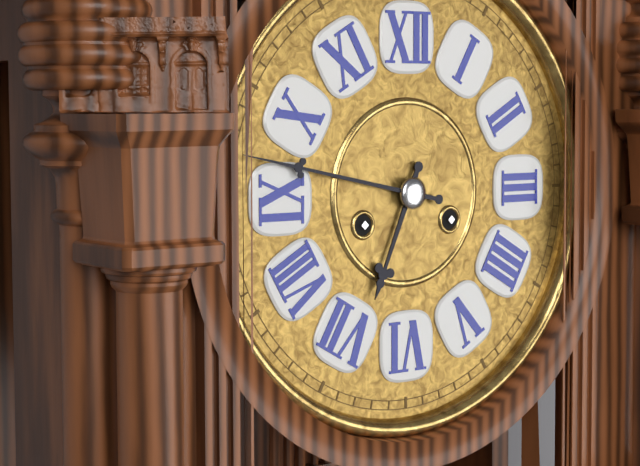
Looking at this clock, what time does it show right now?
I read 6:47
